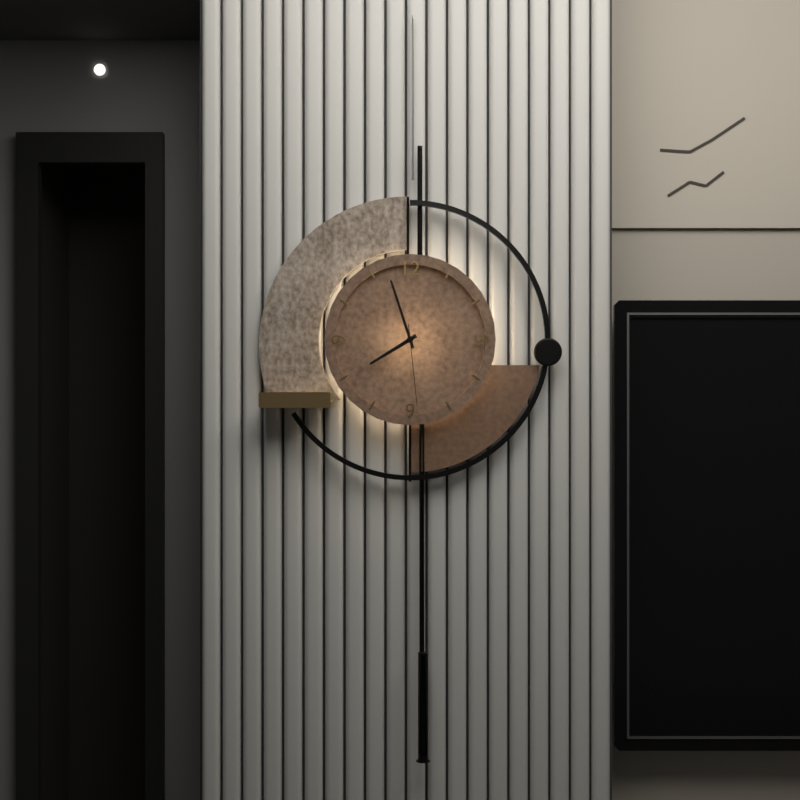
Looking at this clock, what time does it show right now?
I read 7:57:29
